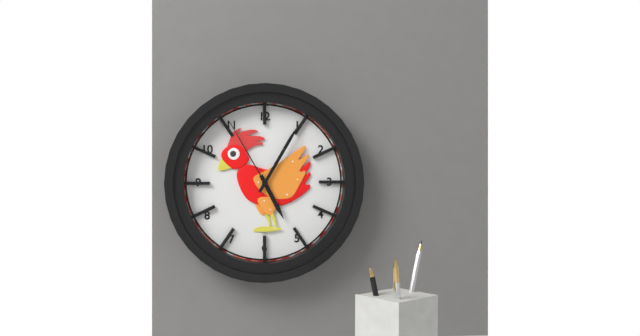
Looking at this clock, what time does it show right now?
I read 5:05:55
